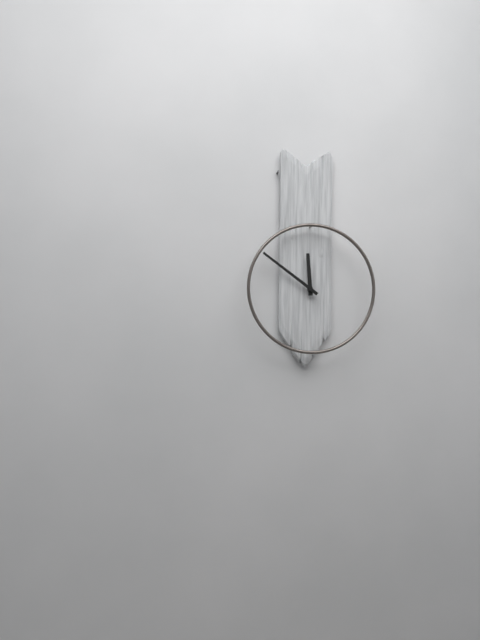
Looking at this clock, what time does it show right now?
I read 11:51
